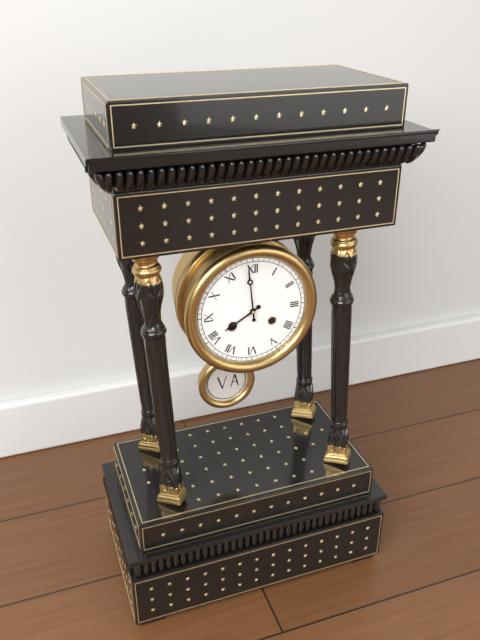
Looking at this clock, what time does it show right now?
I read 7:59
